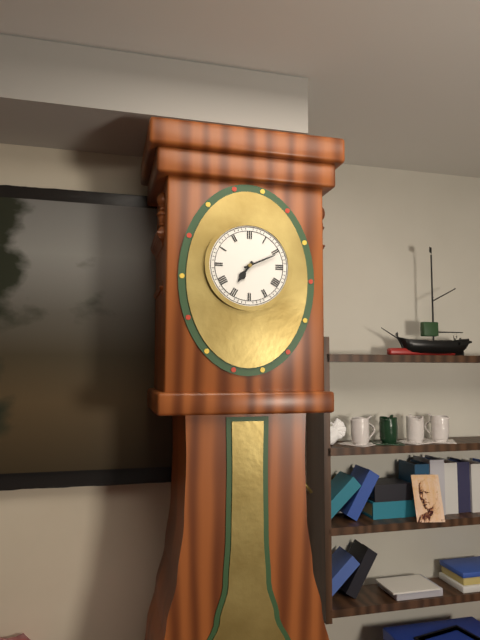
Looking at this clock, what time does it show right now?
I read 7:11
